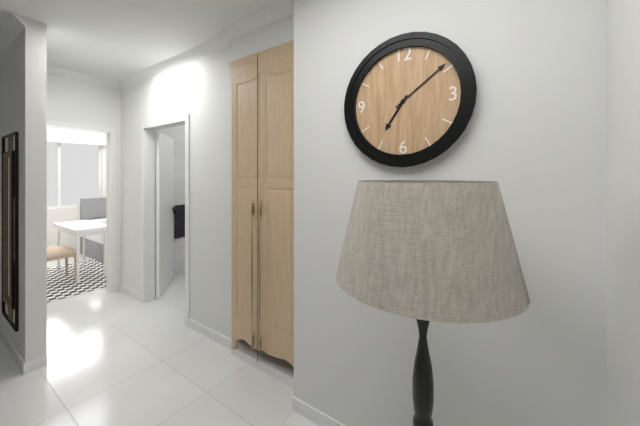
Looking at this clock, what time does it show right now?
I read 7:09
